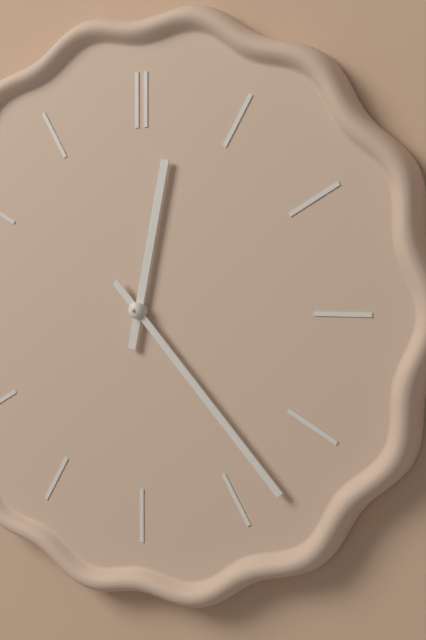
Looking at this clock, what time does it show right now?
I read 12:23
